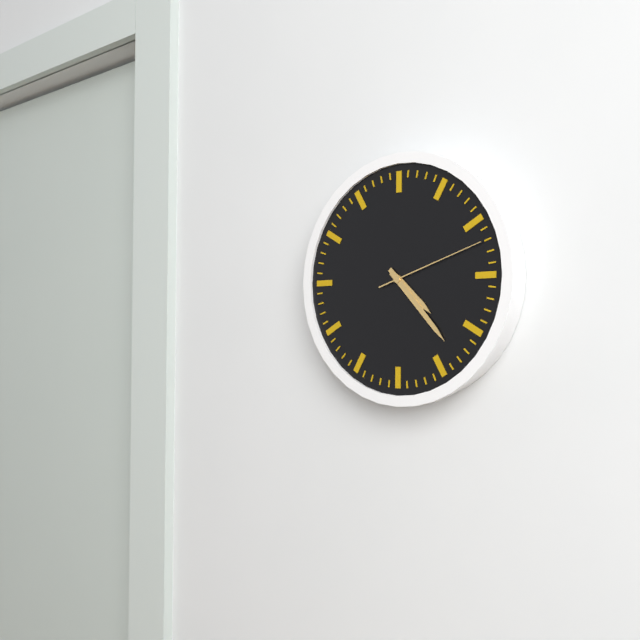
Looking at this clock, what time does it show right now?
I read 4:23:12
